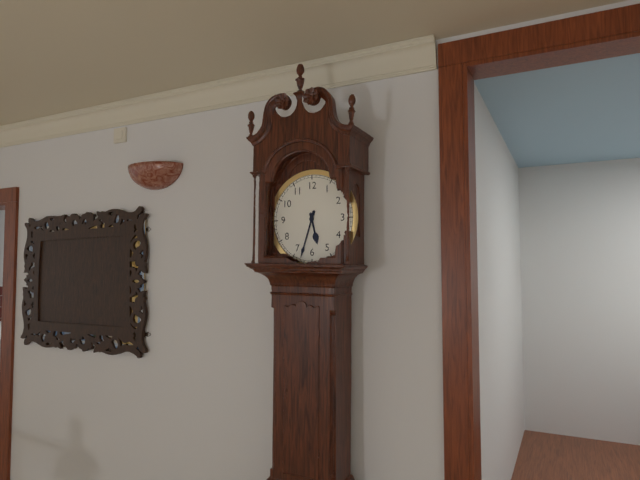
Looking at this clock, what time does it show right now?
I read 5:33
